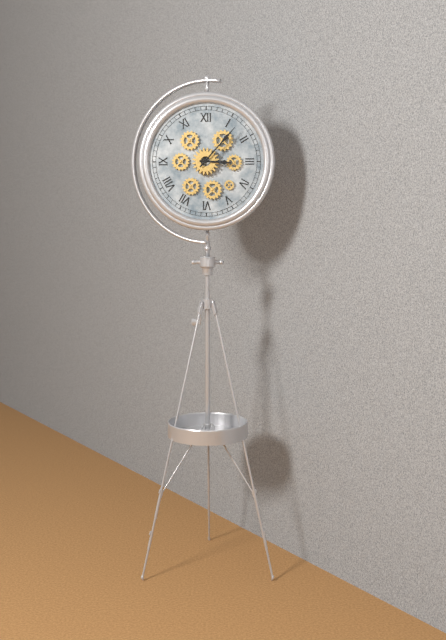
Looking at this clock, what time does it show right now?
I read 3:07
